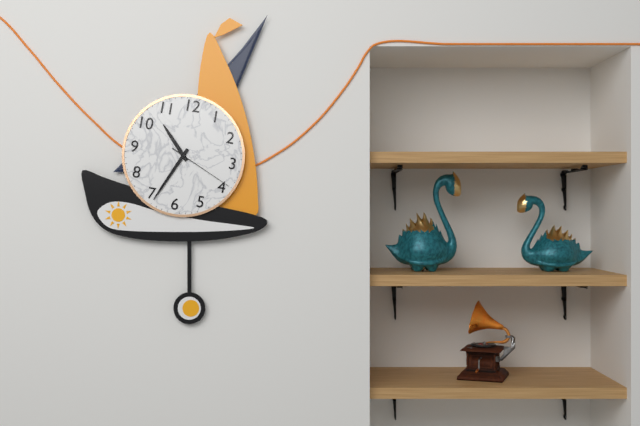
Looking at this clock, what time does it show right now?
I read 10:34:19
